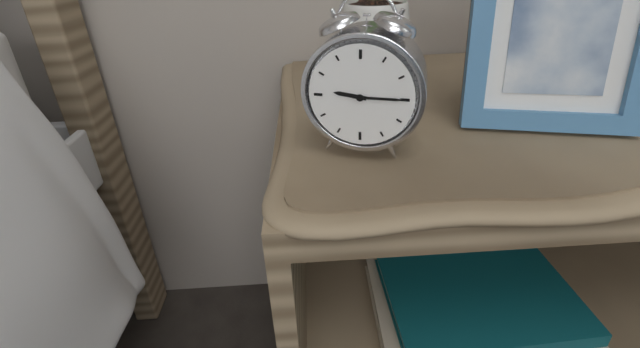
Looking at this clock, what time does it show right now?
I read 9:15
